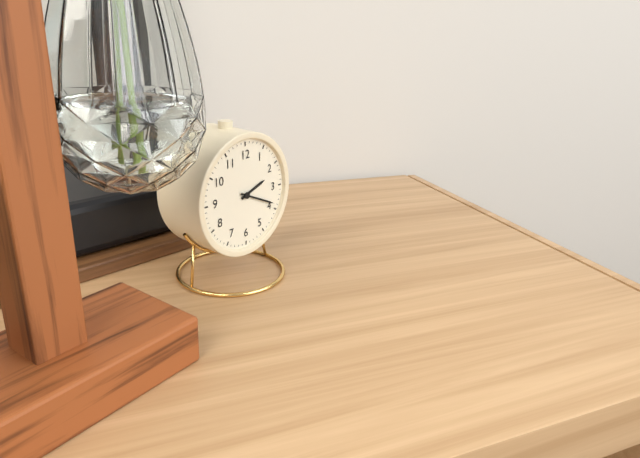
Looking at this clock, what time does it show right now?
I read 2:19
